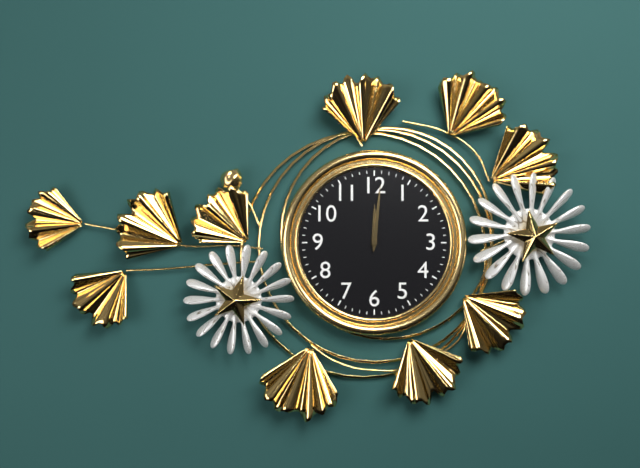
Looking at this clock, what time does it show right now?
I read 12:01
